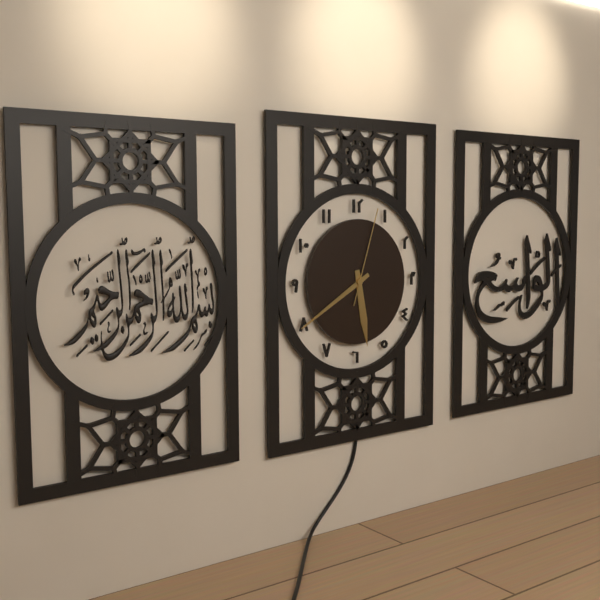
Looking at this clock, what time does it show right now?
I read 5:40:03
